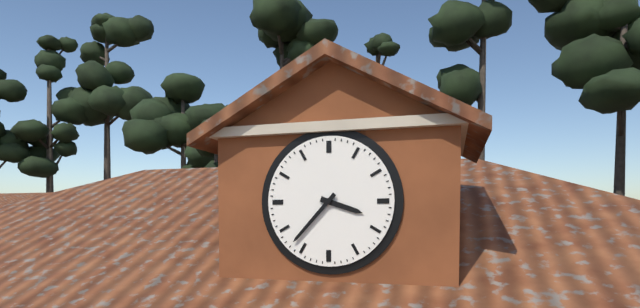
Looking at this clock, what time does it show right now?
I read 3:37
